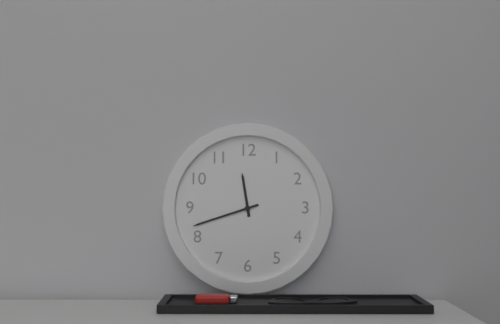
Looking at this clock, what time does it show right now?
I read 11:42
